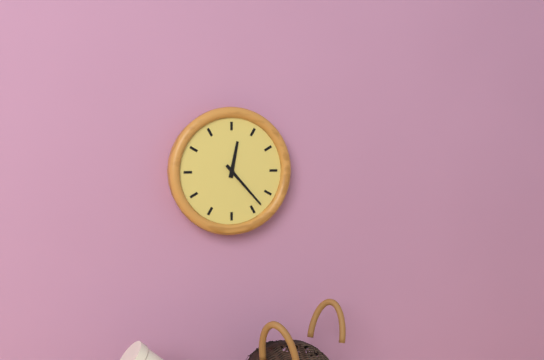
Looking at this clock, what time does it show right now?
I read 12:23
